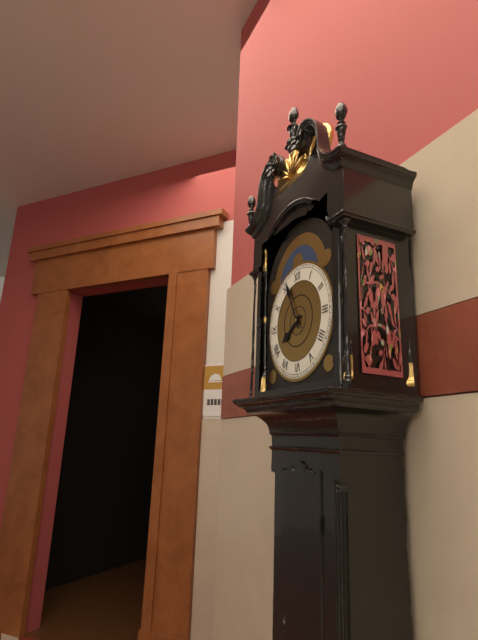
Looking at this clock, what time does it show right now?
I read 7:56
